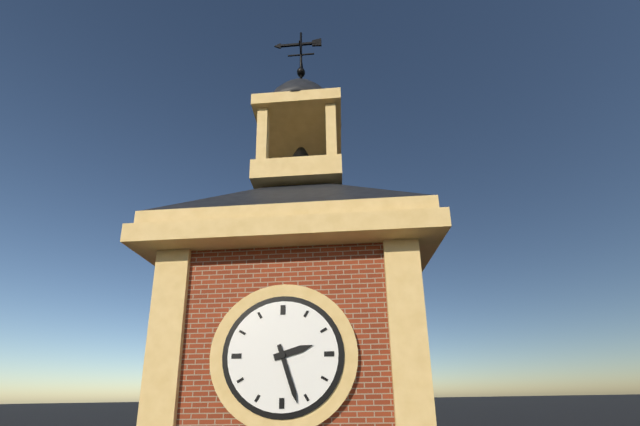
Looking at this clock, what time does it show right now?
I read 2:27
